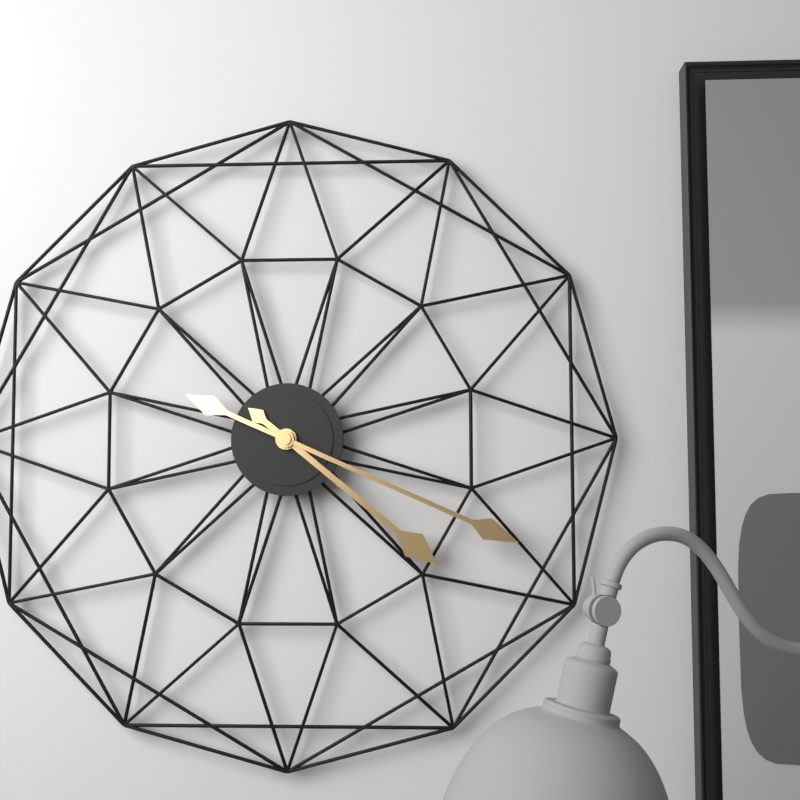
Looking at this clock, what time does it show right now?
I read 4:19
